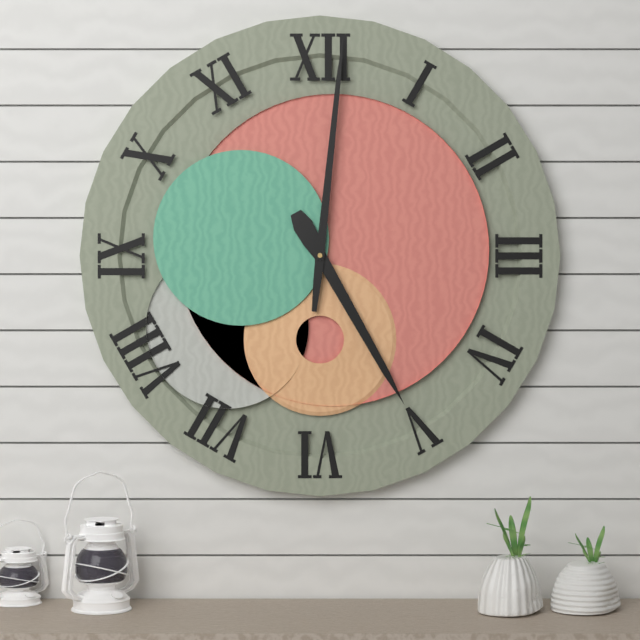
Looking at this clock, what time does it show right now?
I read 5:01
